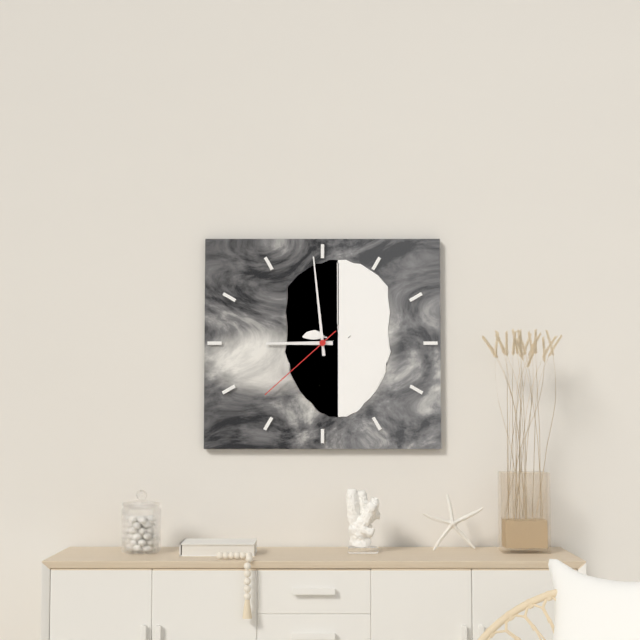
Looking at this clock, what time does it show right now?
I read 8:59:38
